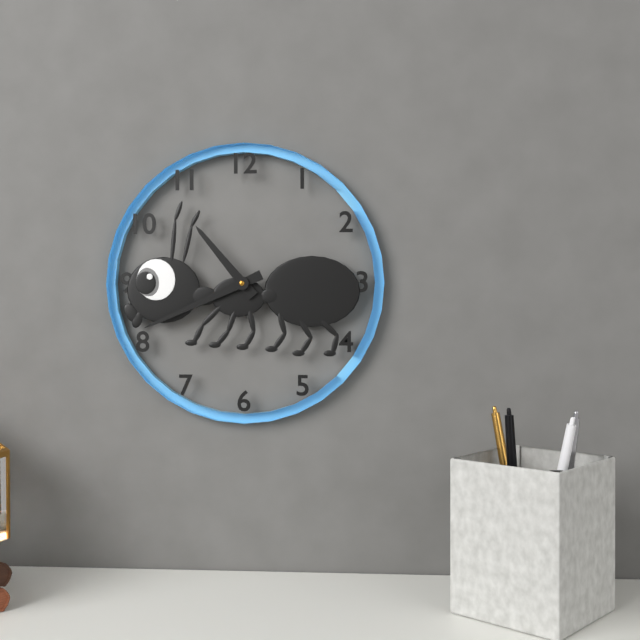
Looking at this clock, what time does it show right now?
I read 10:41
